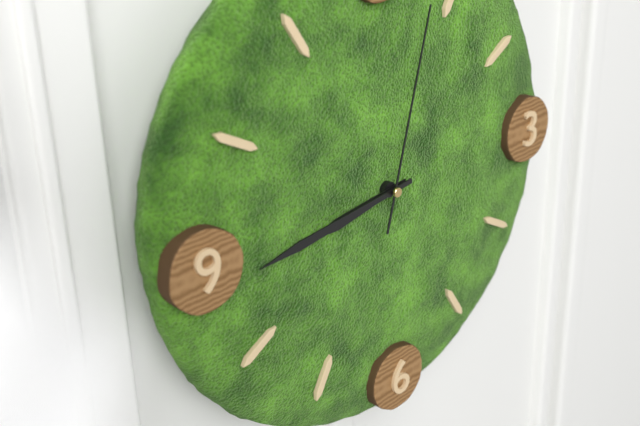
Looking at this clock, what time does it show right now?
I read 8:44:03
